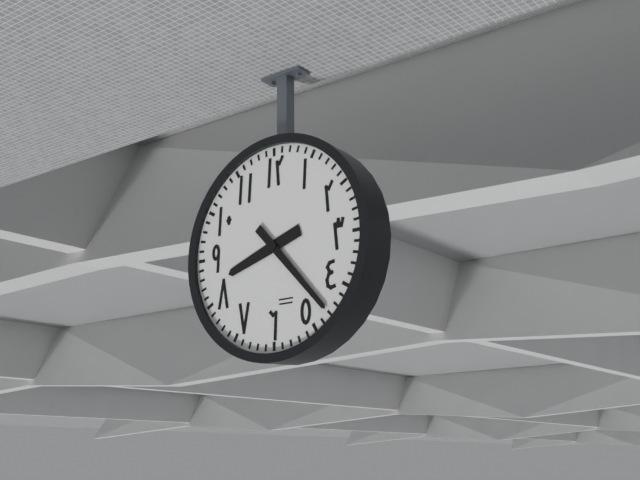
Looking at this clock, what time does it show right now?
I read 8:23
